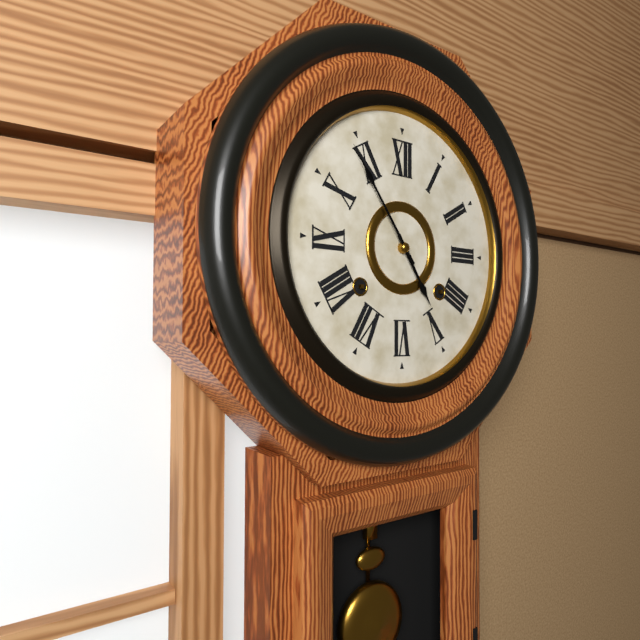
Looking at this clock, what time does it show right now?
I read 4:54
